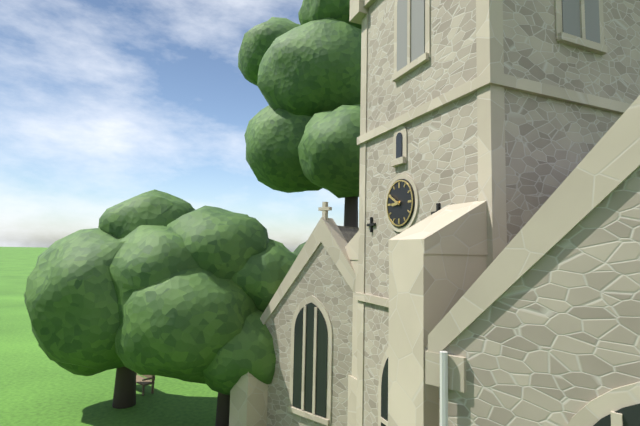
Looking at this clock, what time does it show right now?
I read 8:50
